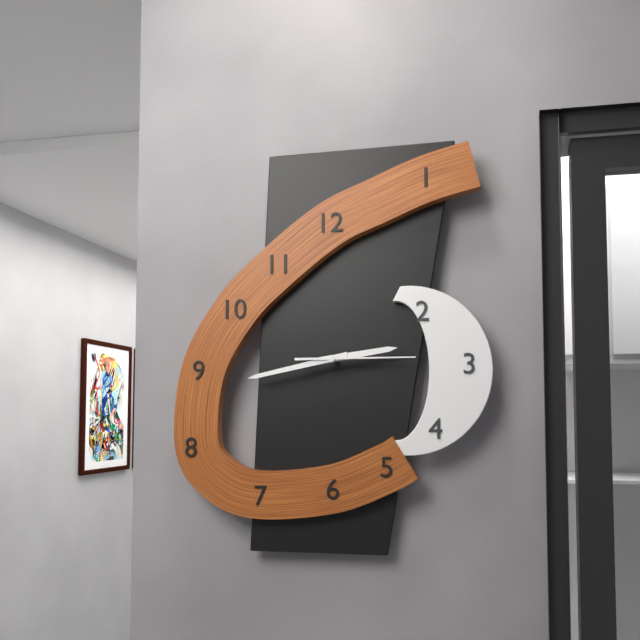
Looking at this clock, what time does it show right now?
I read 2:43:15
